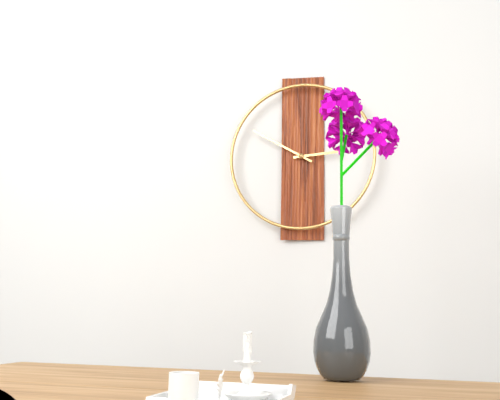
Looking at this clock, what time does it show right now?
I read 2:50
